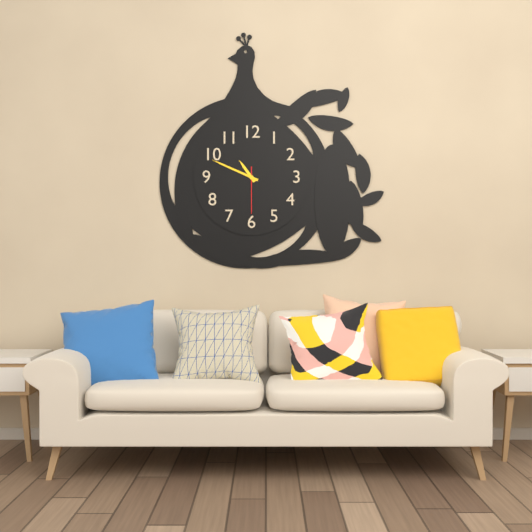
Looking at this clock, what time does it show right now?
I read 10:49
